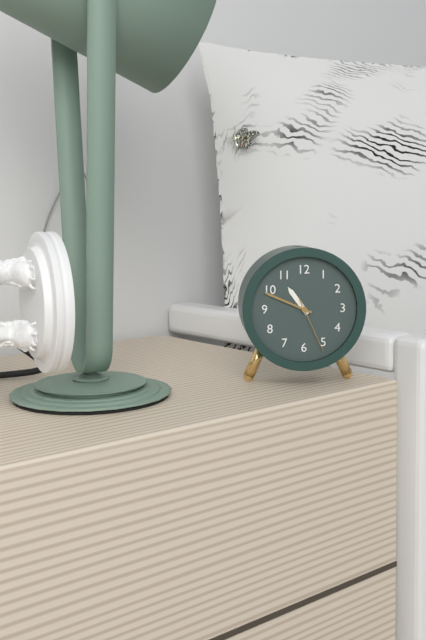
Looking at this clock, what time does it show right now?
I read 10:49:26
